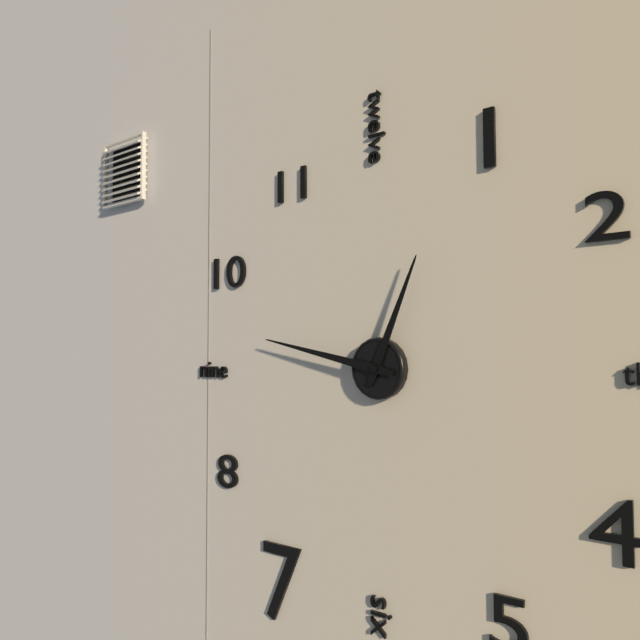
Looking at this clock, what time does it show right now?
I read 12:47
